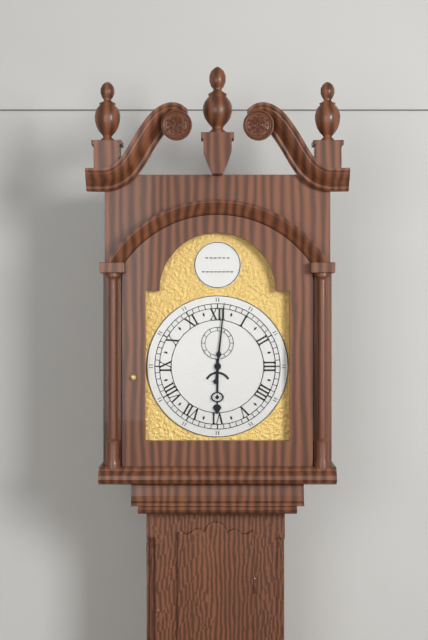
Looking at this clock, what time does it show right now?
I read 6:01
